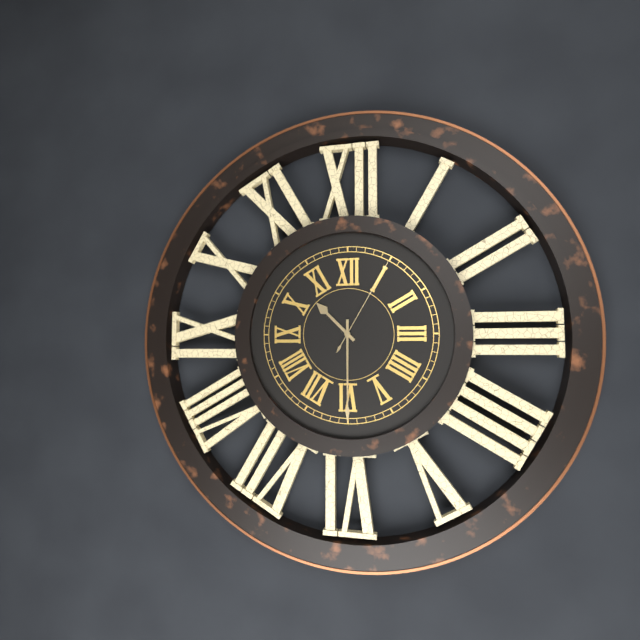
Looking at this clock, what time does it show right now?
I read 10:30:05
